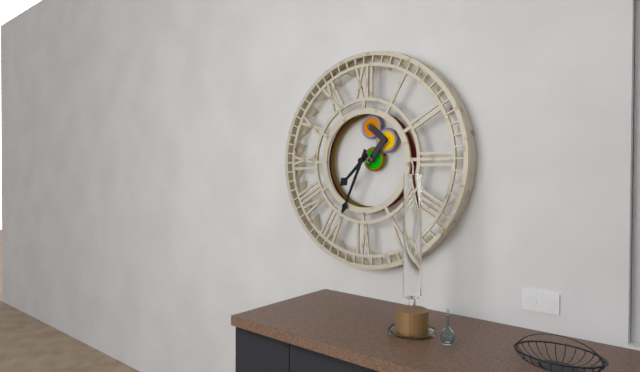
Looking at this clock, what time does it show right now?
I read 7:34
